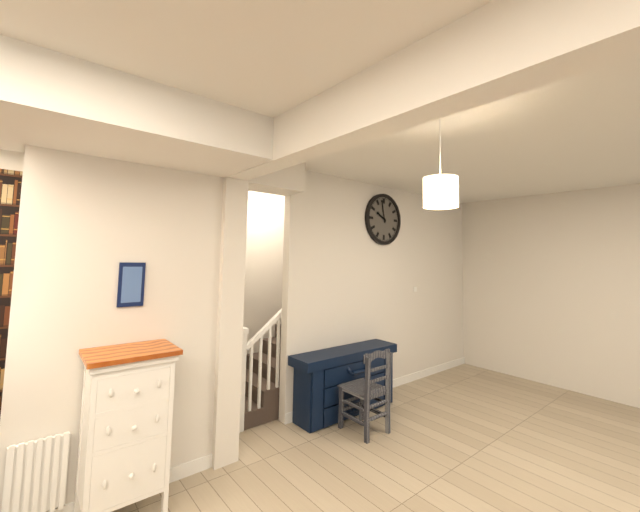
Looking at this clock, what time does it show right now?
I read 9:58
